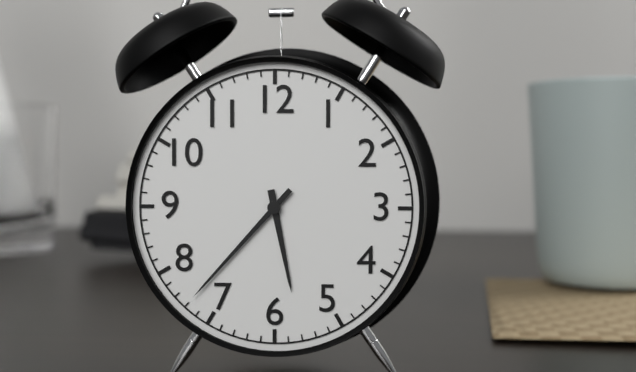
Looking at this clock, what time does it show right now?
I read 5:37
